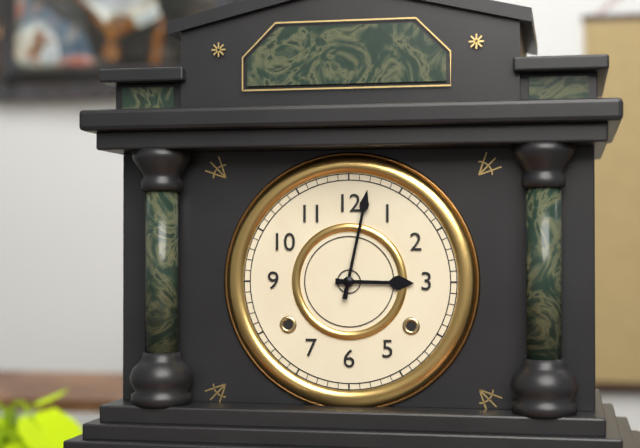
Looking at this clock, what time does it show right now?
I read 3:02
